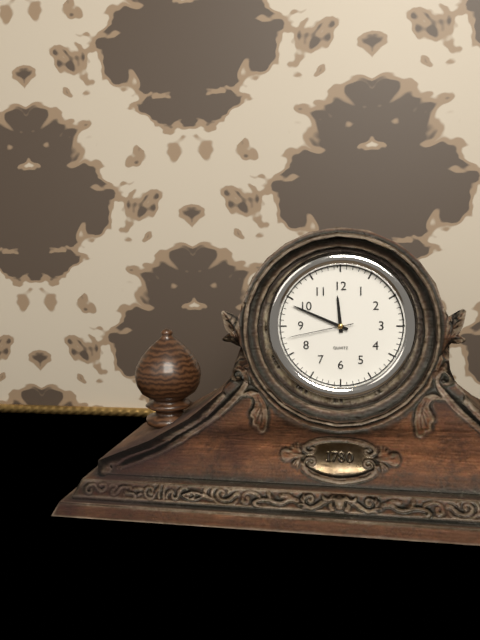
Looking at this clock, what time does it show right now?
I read 11:49:43
